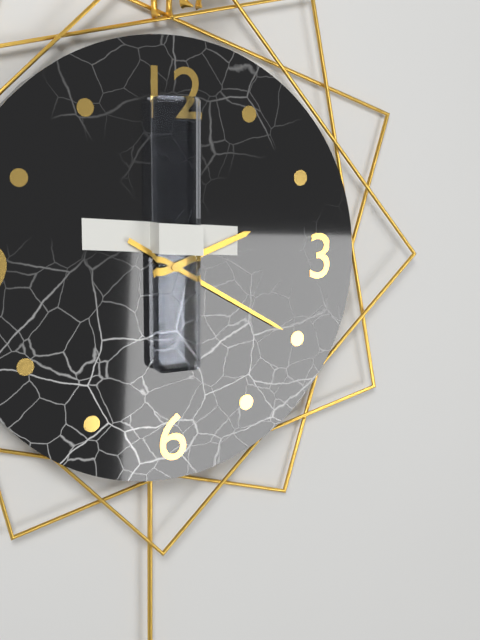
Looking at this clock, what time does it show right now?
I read 2:20
